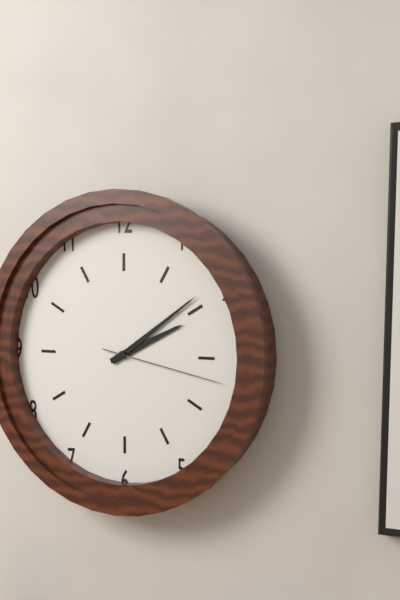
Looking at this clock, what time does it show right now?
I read 2:09:17
